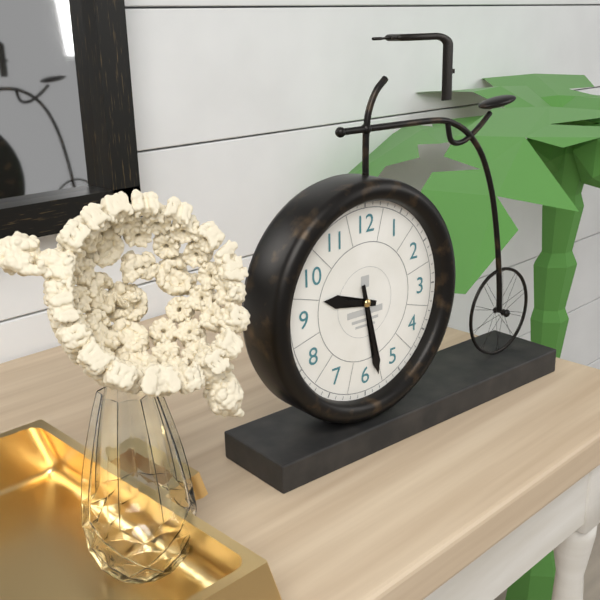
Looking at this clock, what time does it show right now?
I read 9:28
